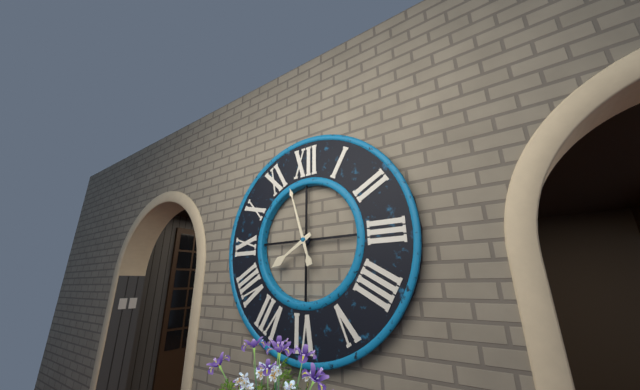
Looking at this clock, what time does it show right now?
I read 7:57
